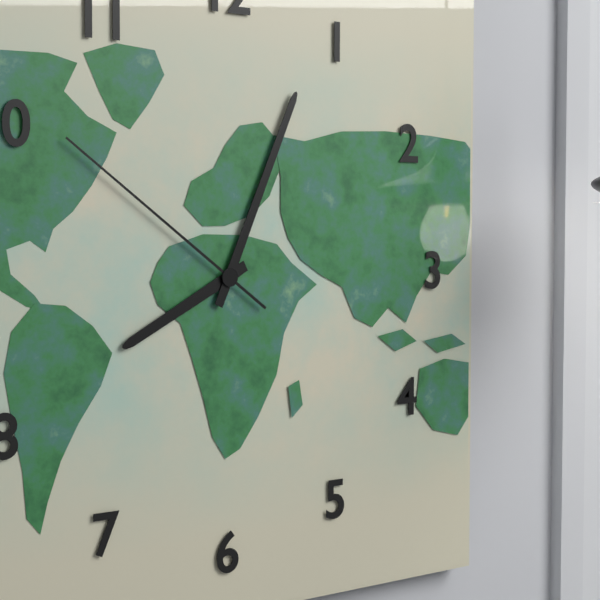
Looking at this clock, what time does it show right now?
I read 8:04:51
